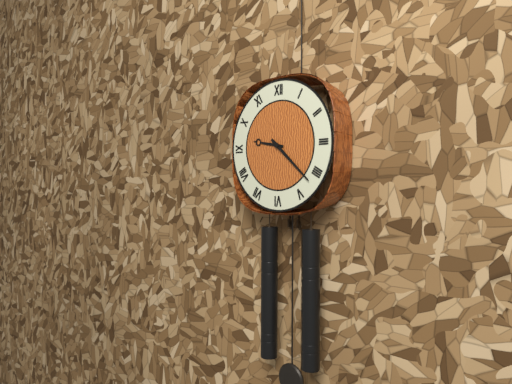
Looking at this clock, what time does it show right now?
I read 9:22
